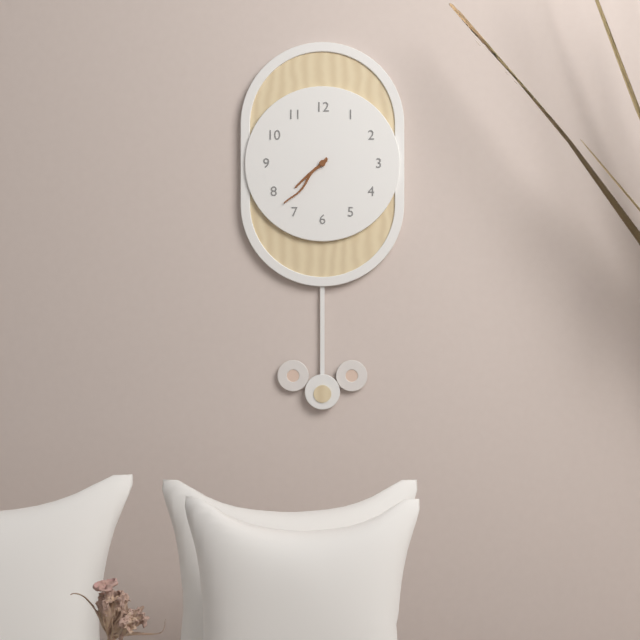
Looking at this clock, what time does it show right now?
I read 7:37
